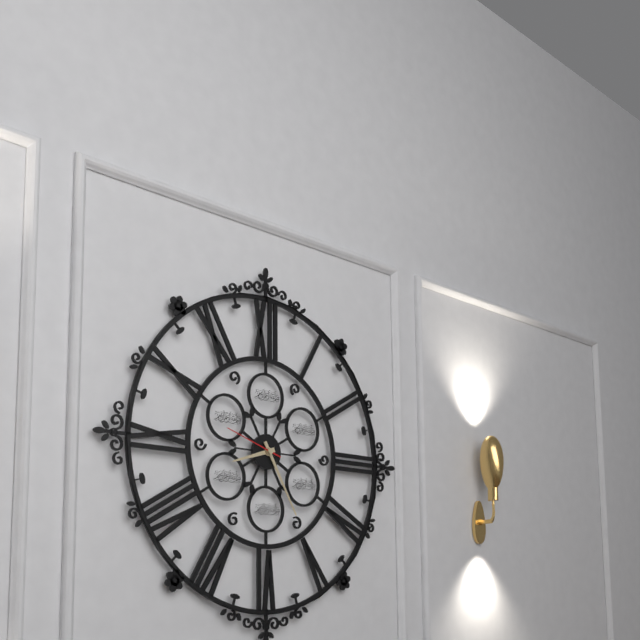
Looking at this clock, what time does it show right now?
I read 8:25:48
